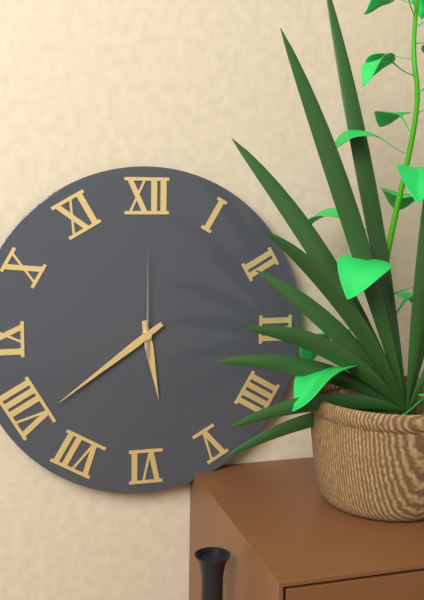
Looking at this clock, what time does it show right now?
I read 5:39:00
